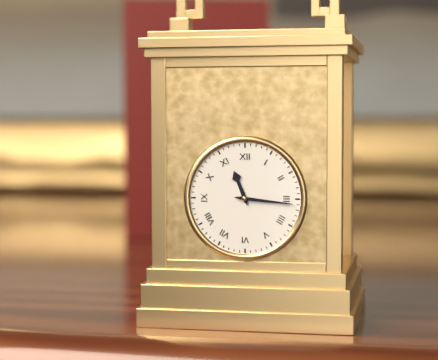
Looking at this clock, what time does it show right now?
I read 11:16
